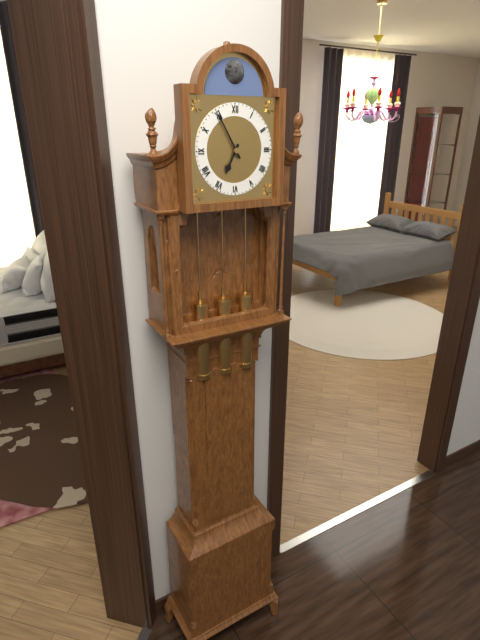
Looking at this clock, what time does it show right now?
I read 6:55
